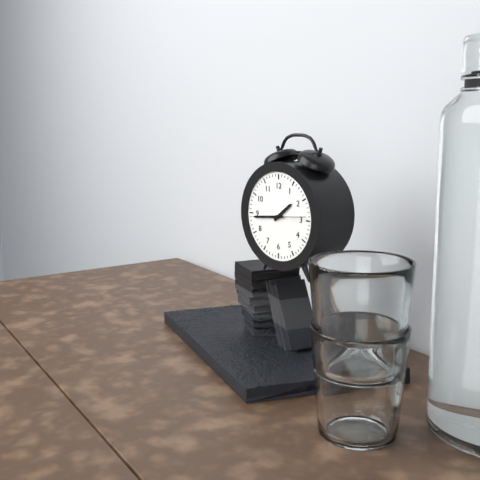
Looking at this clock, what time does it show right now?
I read 1:44
